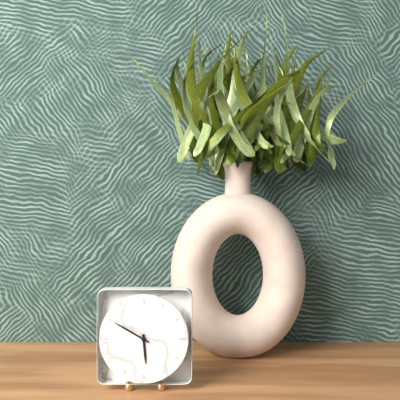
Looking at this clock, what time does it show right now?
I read 5:50
